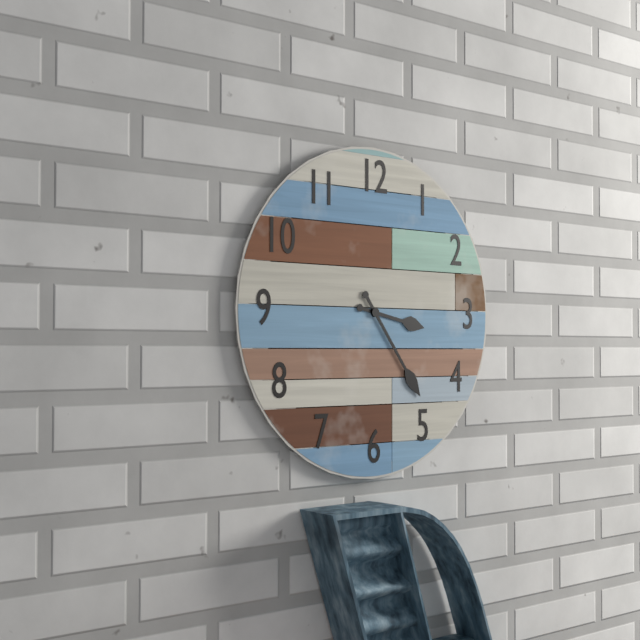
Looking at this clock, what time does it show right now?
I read 3:24
